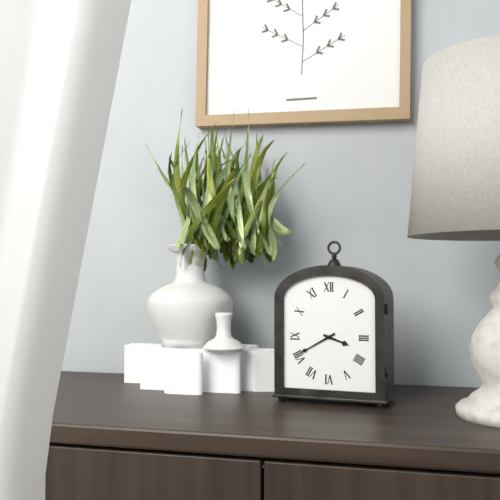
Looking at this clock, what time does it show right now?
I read 3:40
